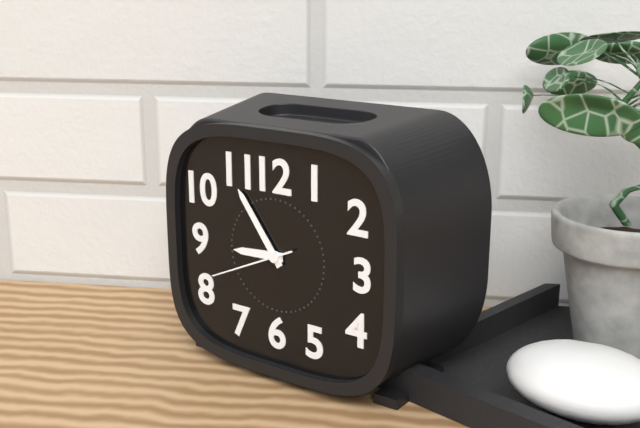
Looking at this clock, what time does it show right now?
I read 8:54:41
